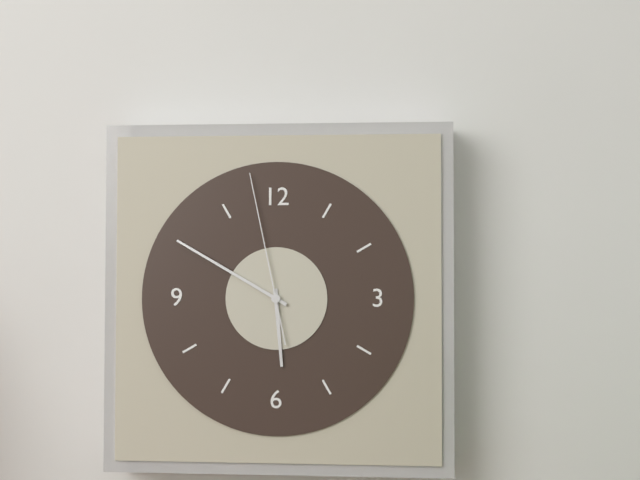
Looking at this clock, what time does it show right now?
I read 5:50:58
